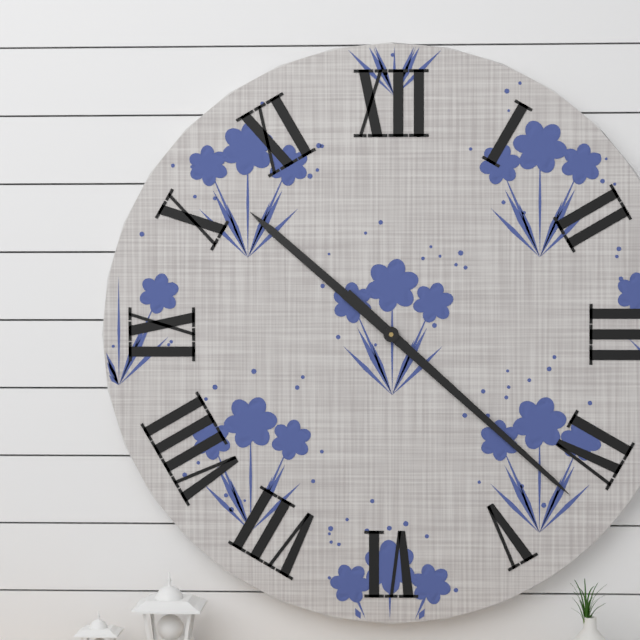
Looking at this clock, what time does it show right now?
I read 10:22
